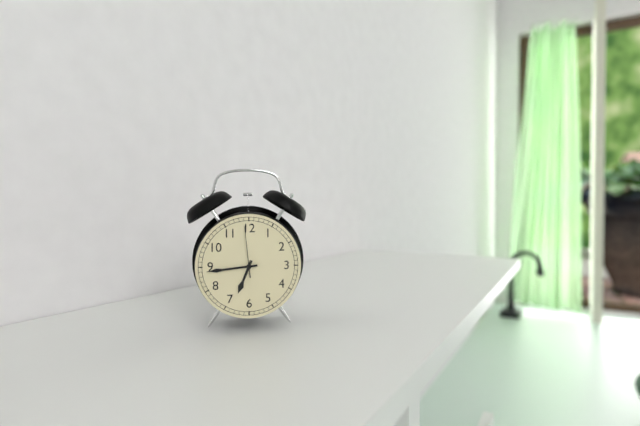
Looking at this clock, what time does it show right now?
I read 6:44:59
